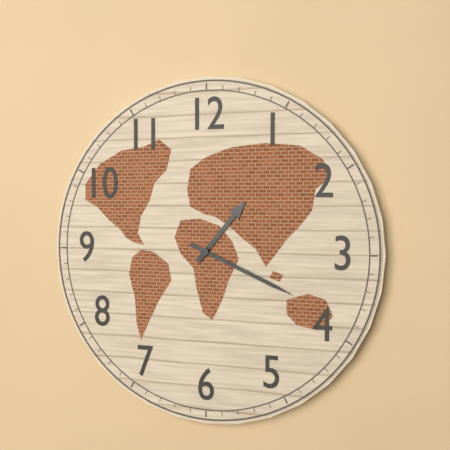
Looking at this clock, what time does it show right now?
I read 1:19
